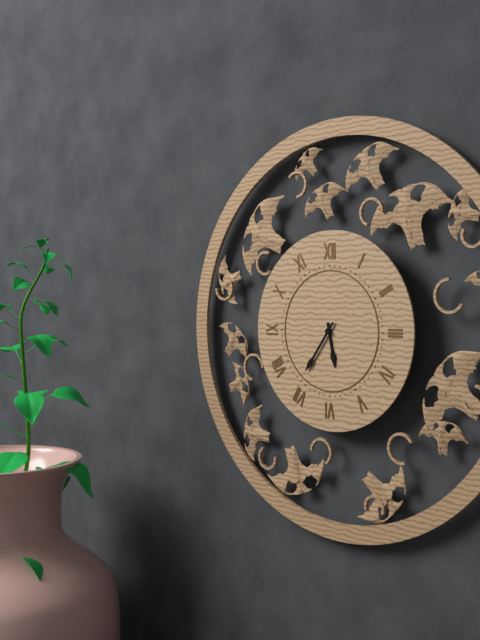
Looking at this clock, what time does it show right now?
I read 5:36
